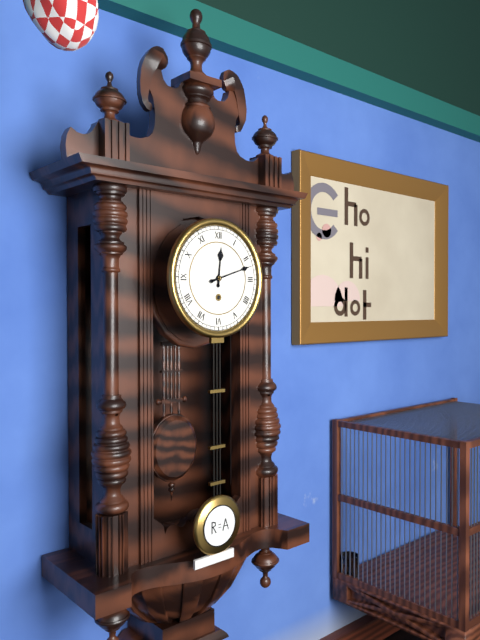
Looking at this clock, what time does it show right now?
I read 12:12
